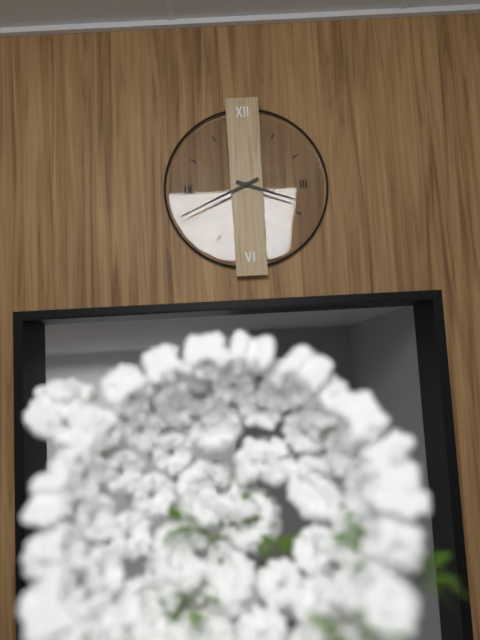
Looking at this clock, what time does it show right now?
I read 3:41
